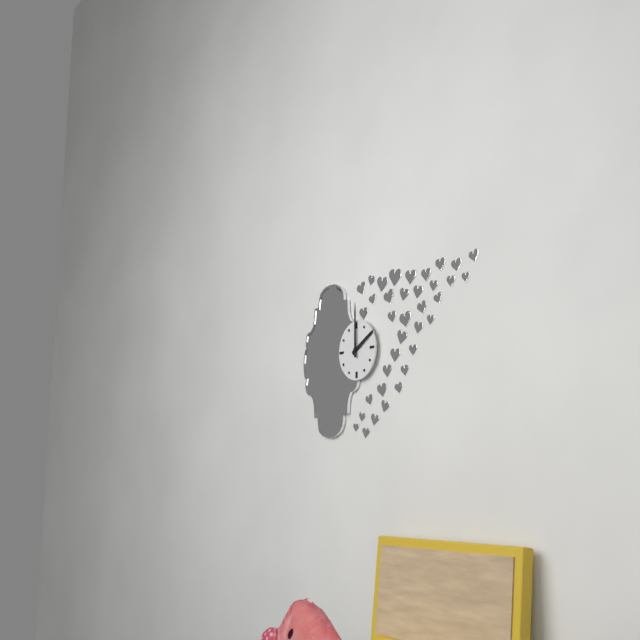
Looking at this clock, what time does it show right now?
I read 2:00
